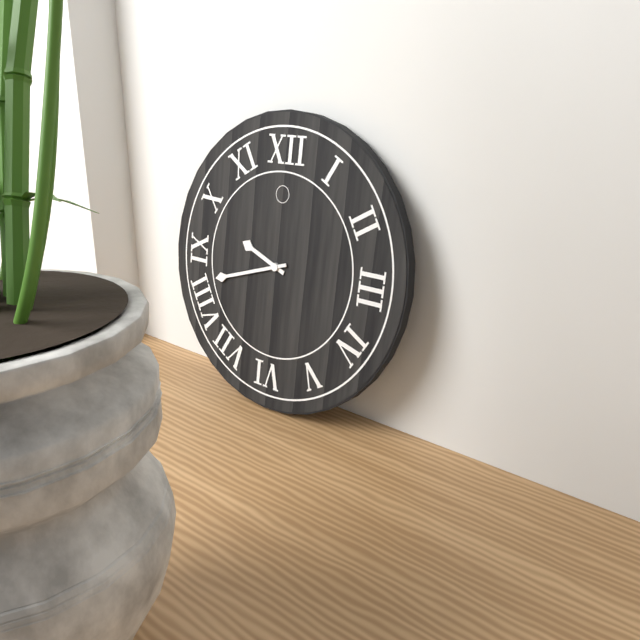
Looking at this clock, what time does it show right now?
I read 9:42
